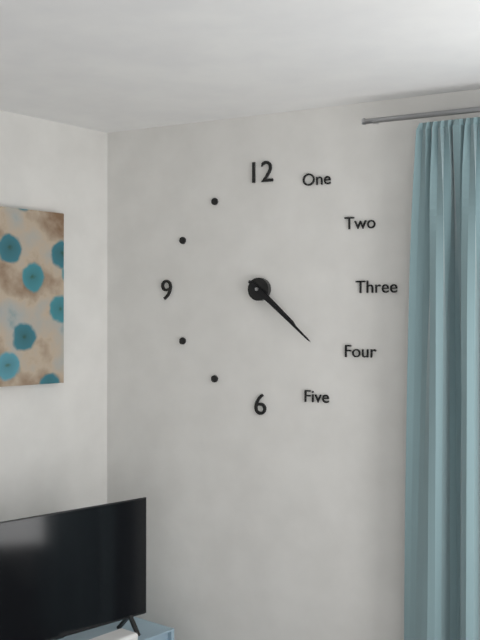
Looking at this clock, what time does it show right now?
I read 4:22
